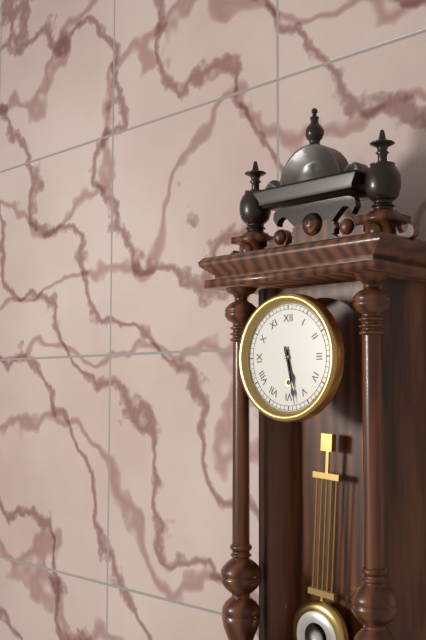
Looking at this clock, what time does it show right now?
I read 5:28
